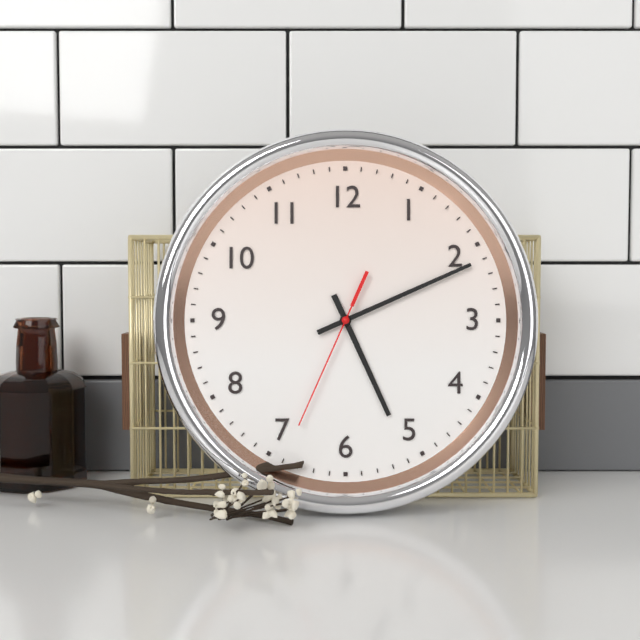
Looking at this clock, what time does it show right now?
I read 5:11:34
